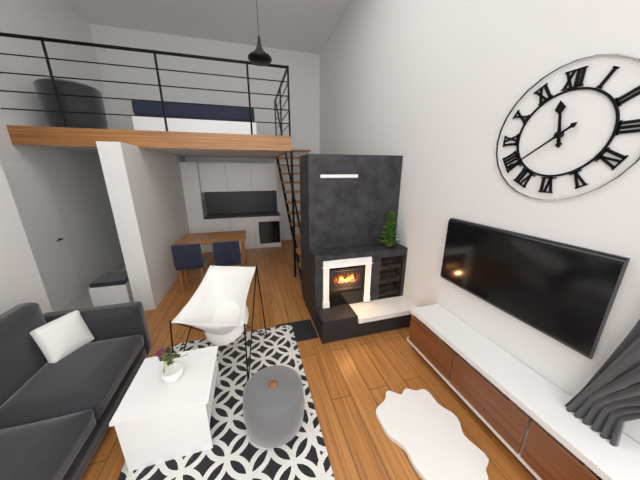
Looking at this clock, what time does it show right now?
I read 11:39
